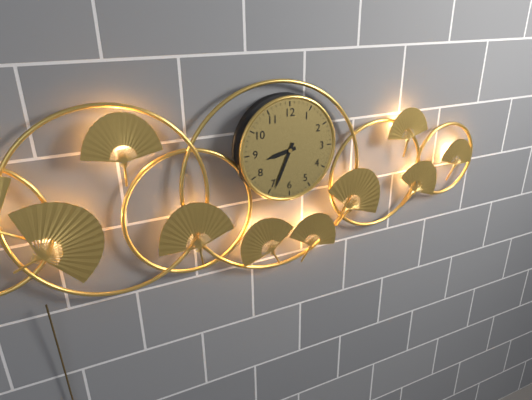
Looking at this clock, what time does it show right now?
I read 8:34
